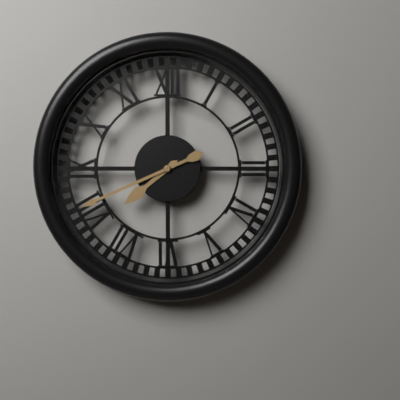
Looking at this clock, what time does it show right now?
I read 7:41
